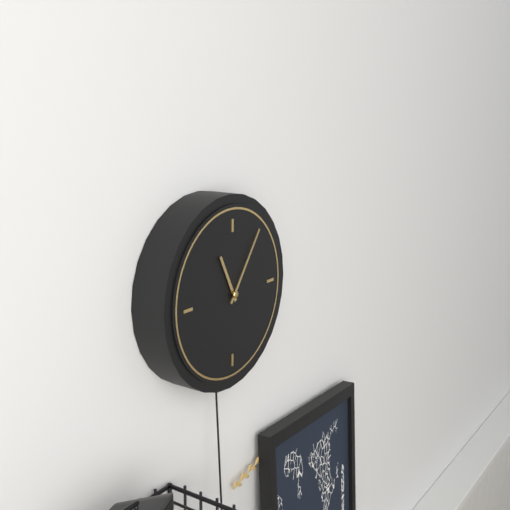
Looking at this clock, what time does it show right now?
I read 11:06
